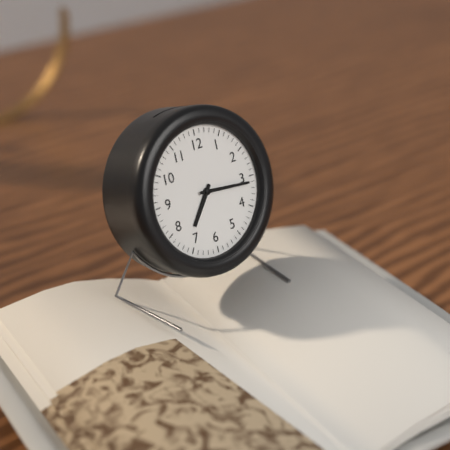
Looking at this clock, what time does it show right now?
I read 7:16
